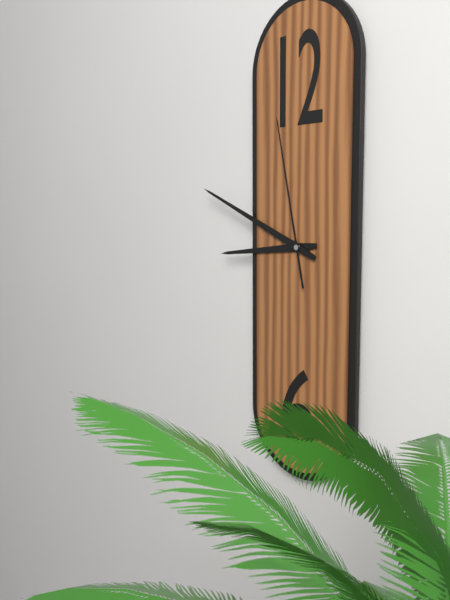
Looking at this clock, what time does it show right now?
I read 8:49:58
